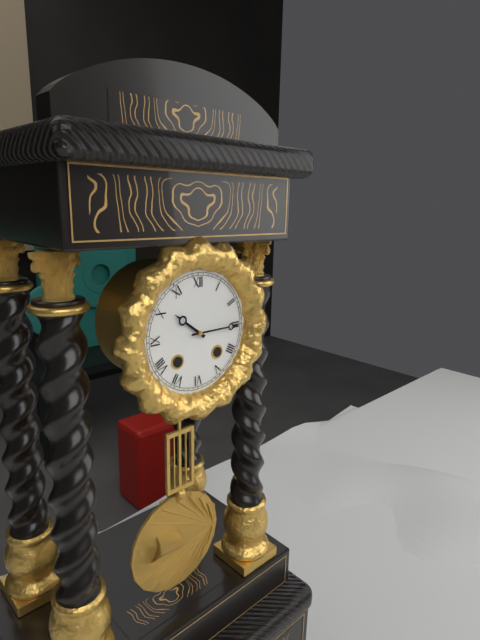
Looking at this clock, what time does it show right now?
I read 10:15
